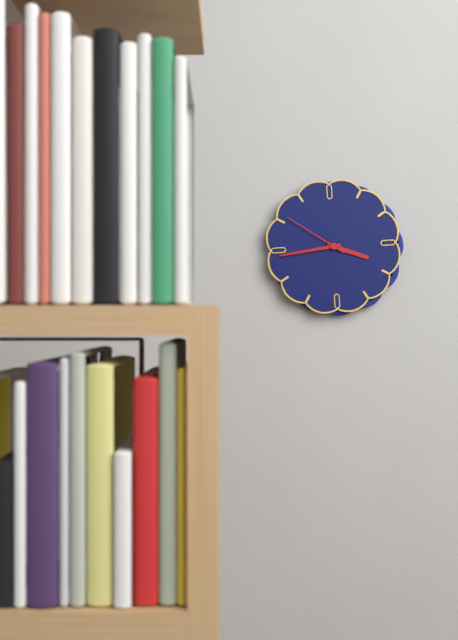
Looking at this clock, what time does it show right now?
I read 3:44:51
